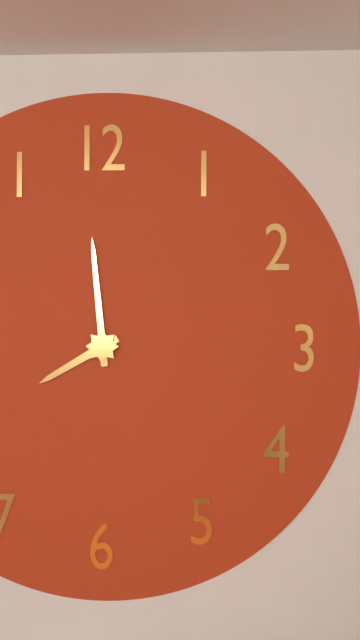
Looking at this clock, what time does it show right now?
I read 7:59
